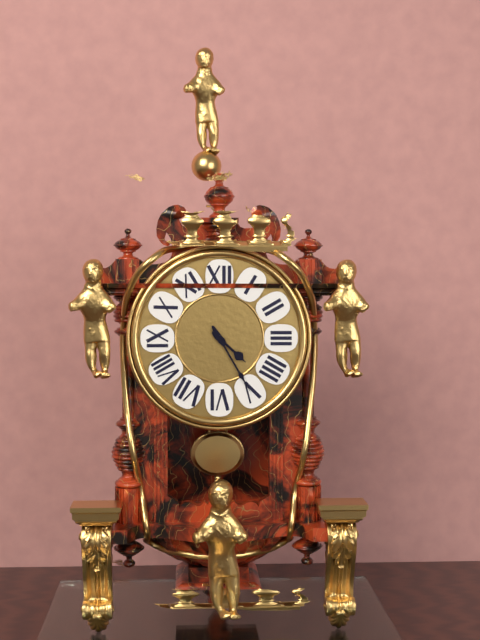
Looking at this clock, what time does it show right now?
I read 4:25
